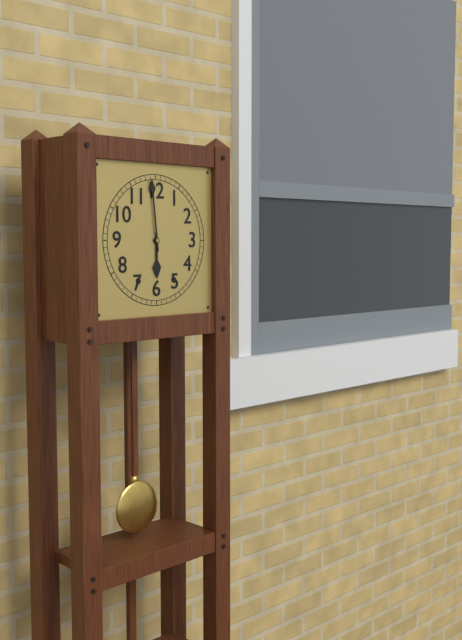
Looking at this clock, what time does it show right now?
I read 5:59
